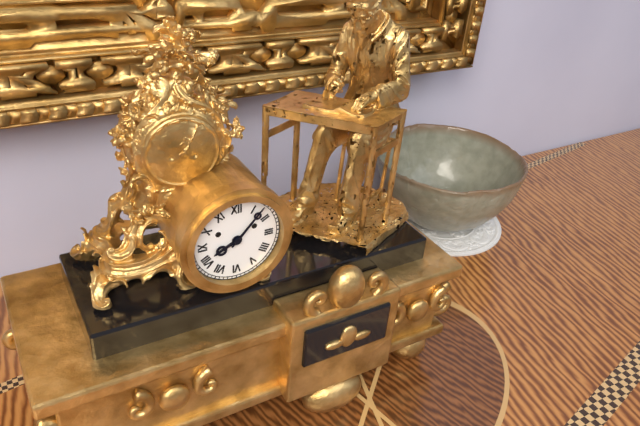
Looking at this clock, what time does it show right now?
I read 8:07
